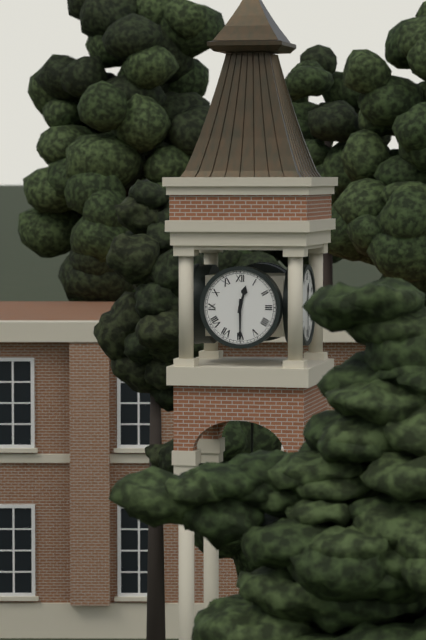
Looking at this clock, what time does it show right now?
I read 12:30
